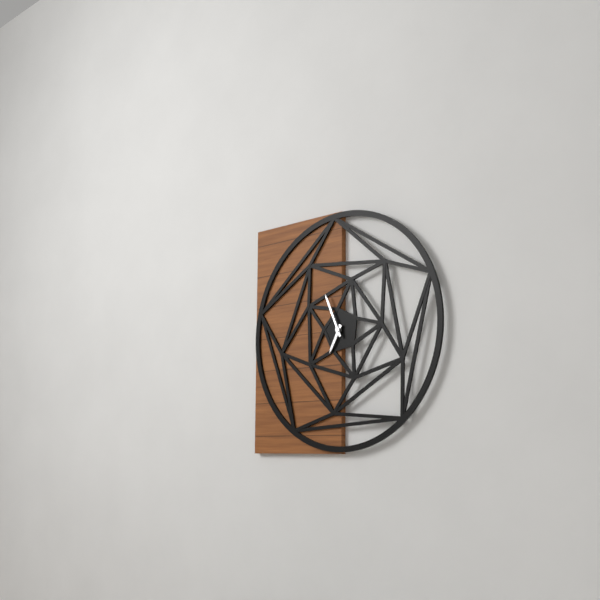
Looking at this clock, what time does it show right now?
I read 6:56
